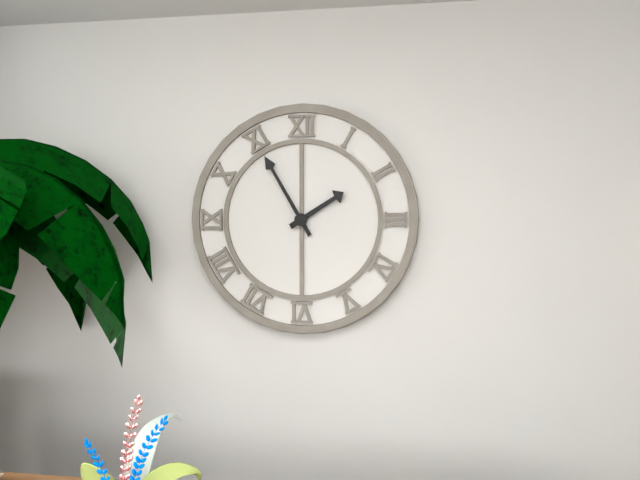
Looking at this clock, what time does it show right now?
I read 1:55
